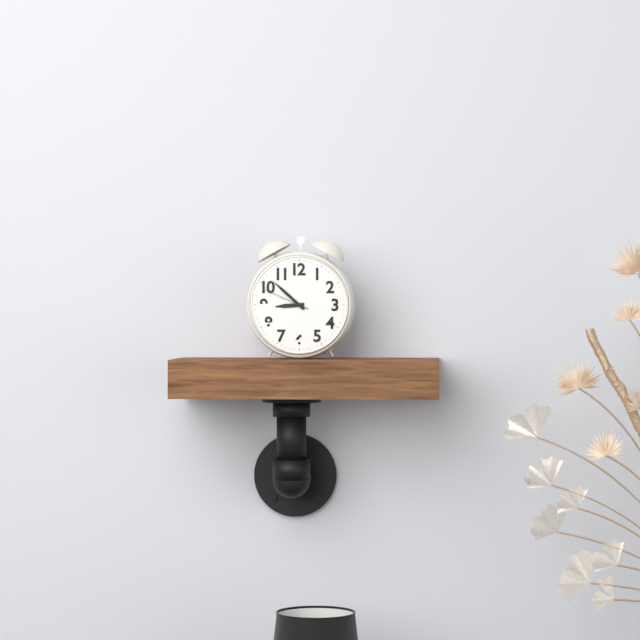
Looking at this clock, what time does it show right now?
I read 8:52
